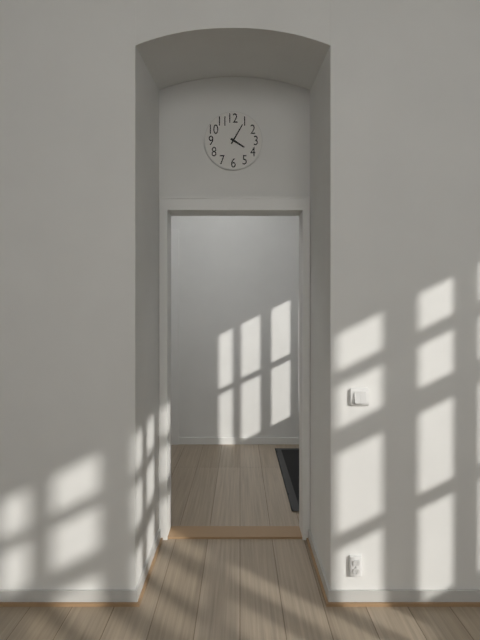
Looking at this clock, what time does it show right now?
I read 4:05
